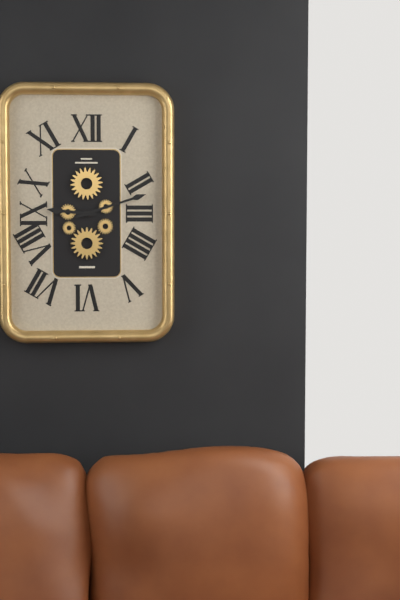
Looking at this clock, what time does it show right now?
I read 9:12
